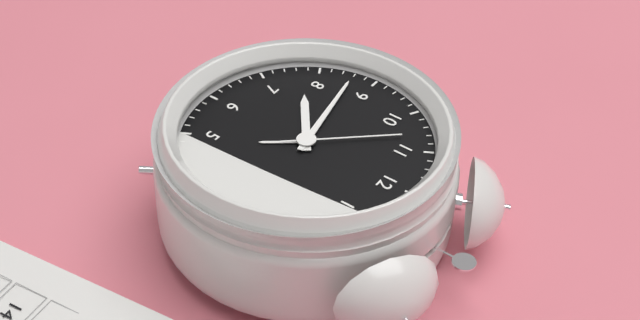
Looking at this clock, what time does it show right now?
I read 7:43:53
